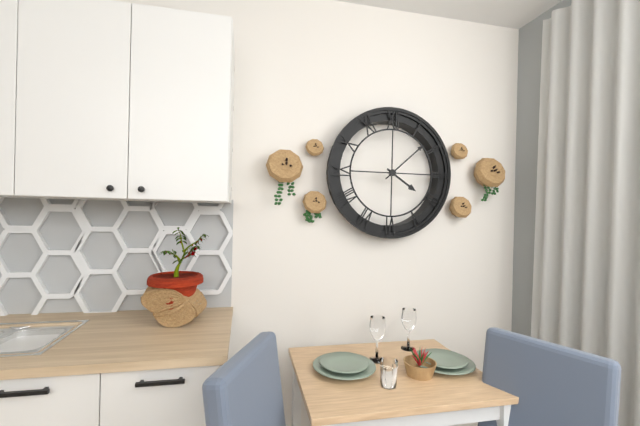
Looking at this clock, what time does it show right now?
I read 4:08
